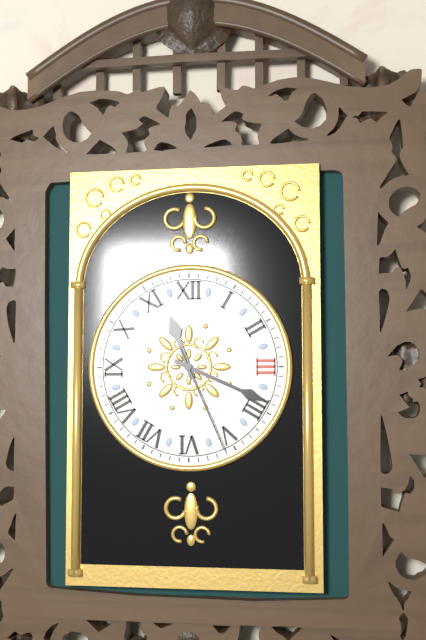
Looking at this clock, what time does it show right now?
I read 11:19:26
